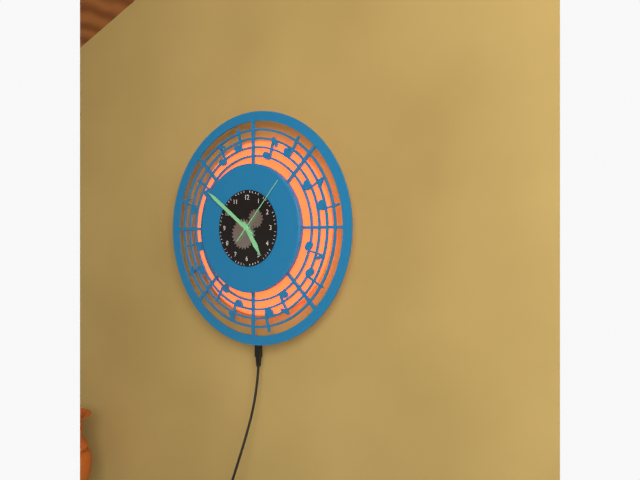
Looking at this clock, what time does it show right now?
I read 4:51:07
